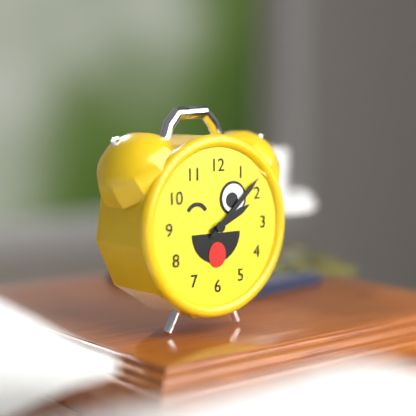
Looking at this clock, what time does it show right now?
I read 2:08
